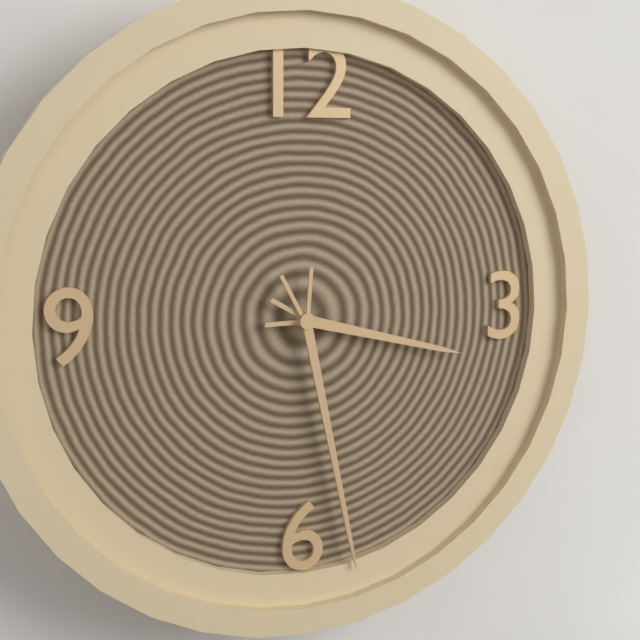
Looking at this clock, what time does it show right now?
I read 3:28
